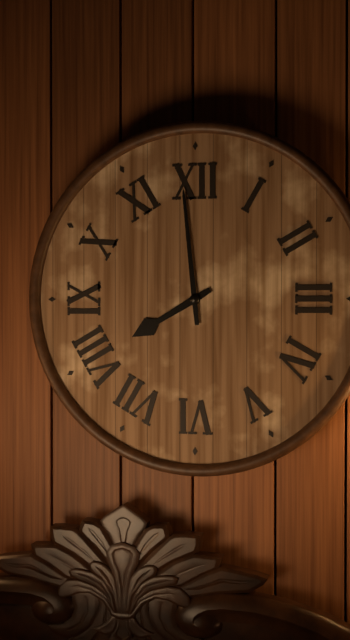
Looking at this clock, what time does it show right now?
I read 7:59
